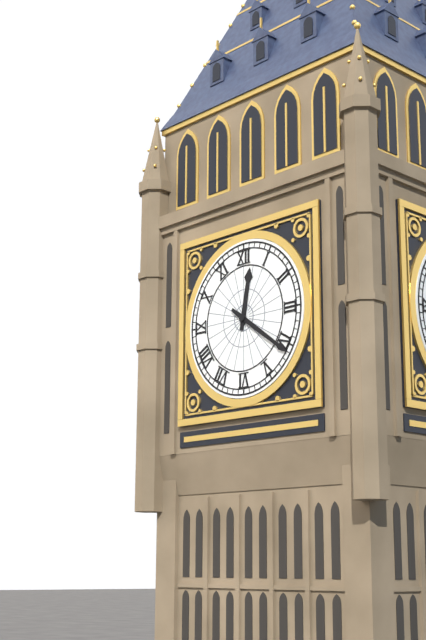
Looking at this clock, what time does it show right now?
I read 12:21
